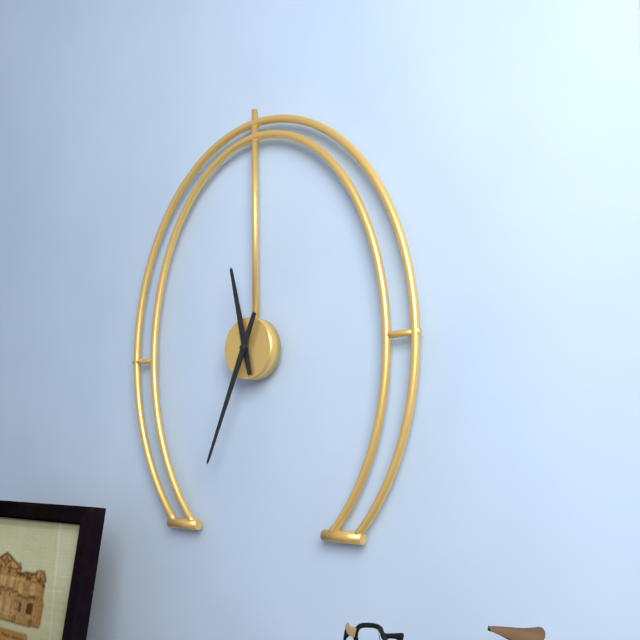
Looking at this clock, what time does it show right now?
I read 11:34
